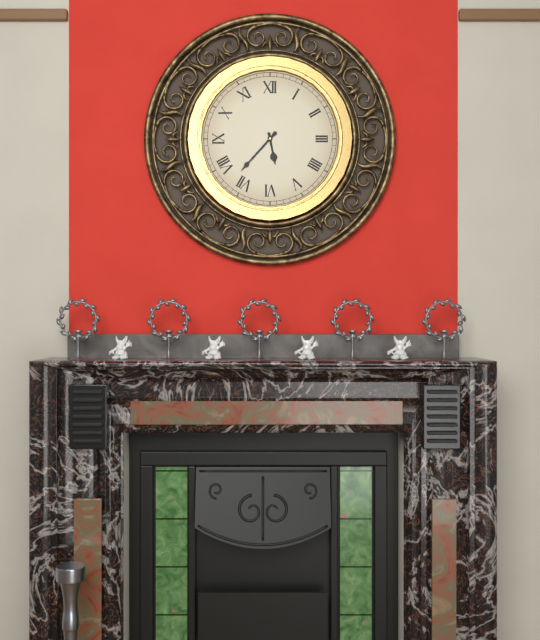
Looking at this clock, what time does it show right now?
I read 5:37
